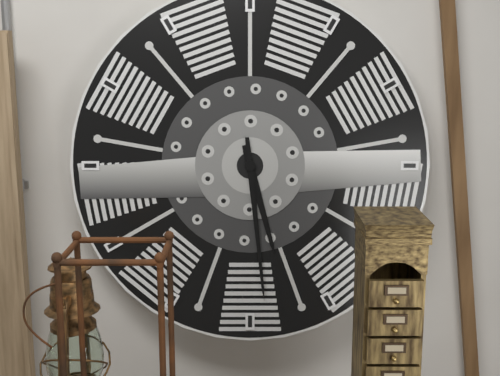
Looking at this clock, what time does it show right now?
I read 5:29
